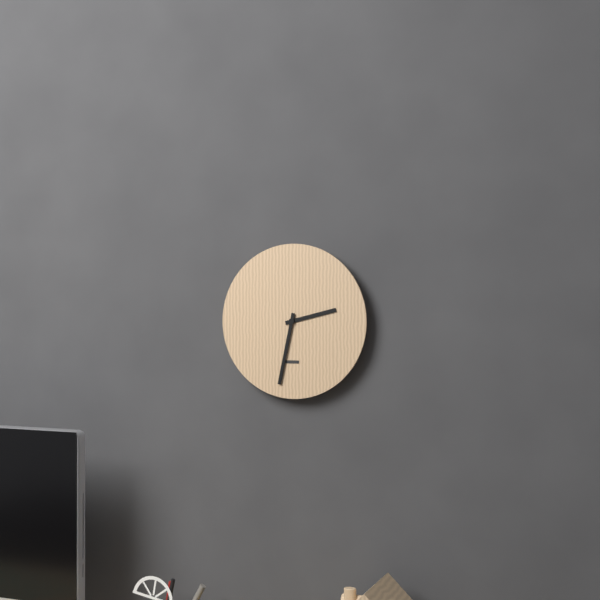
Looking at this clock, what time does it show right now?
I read 2:32
